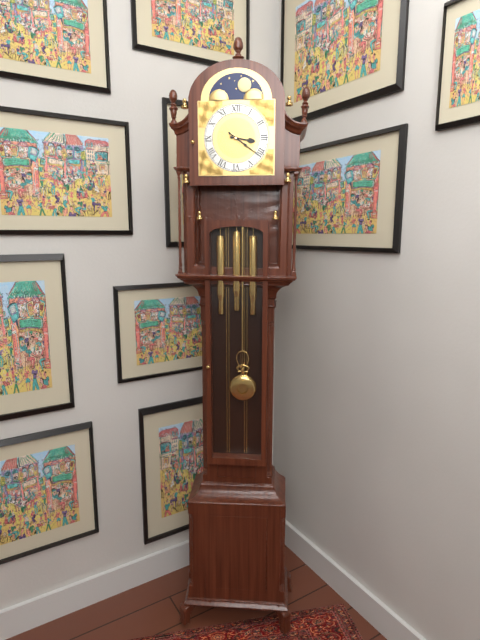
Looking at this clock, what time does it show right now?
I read 3:21
